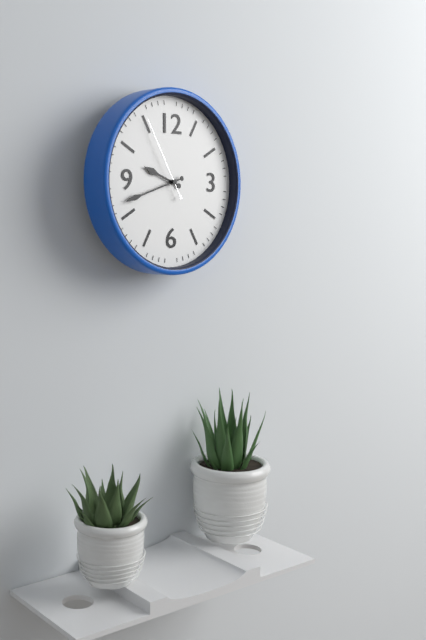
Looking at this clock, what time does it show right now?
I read 9:42:55
